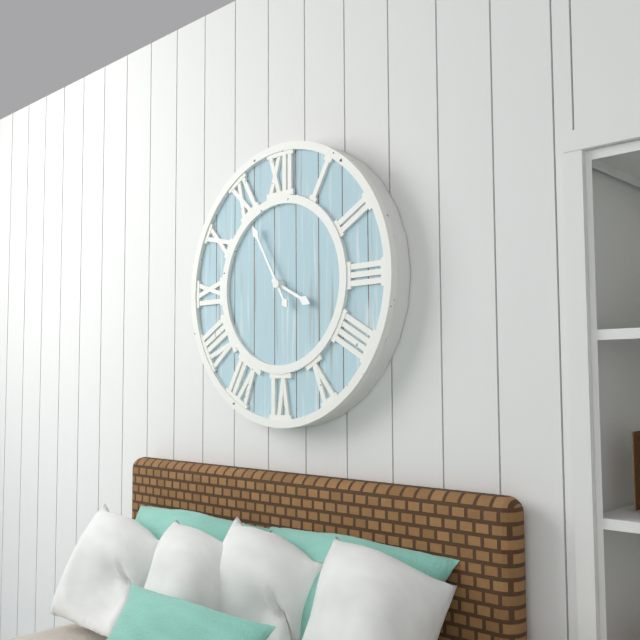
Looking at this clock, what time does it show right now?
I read 3:55
